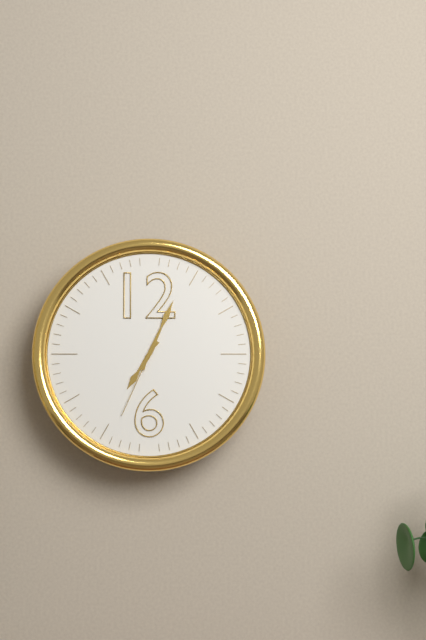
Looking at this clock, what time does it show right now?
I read 7:04:34
